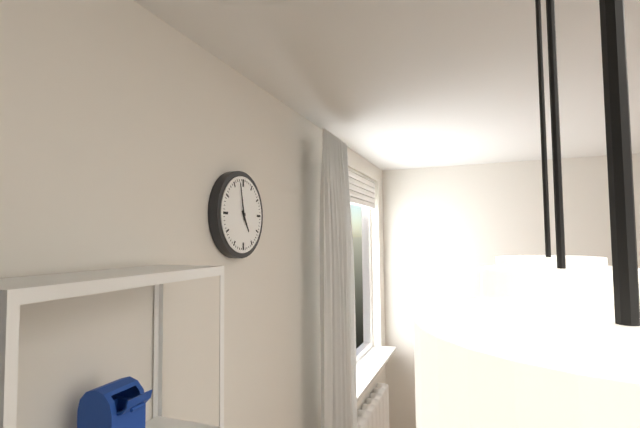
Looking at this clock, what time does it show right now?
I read 4:58
